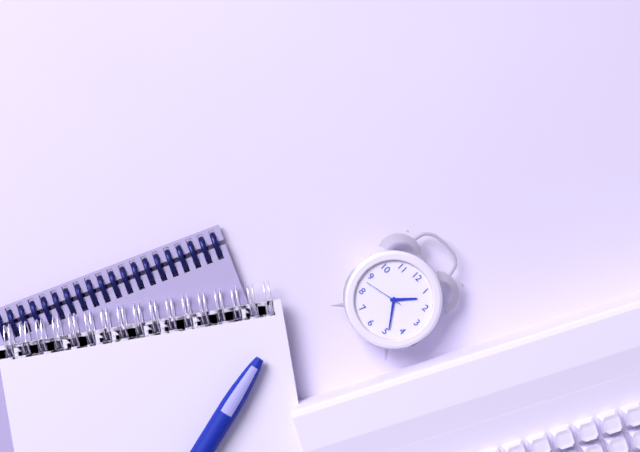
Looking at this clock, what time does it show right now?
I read 1:24
